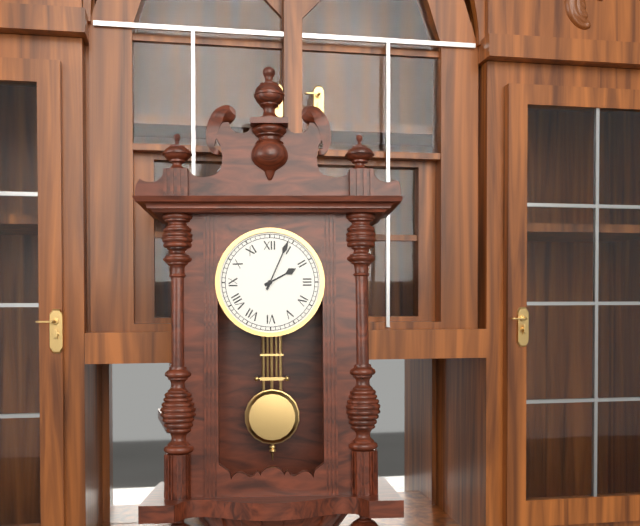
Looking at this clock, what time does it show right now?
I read 2:04
